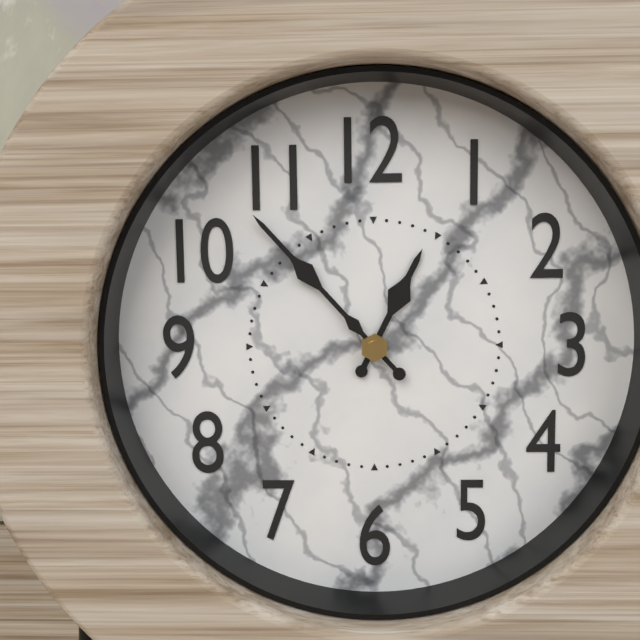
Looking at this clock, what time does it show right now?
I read 12:53
